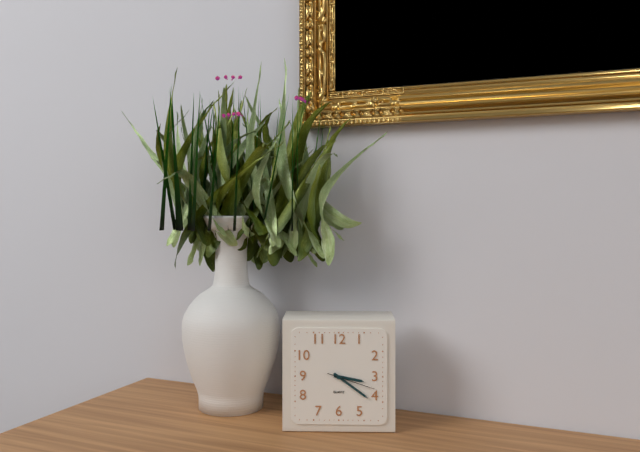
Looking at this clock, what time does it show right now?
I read 3:21
